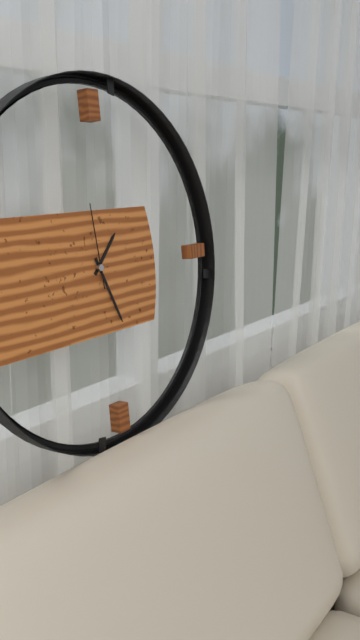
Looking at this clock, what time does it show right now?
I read 1:26:59
